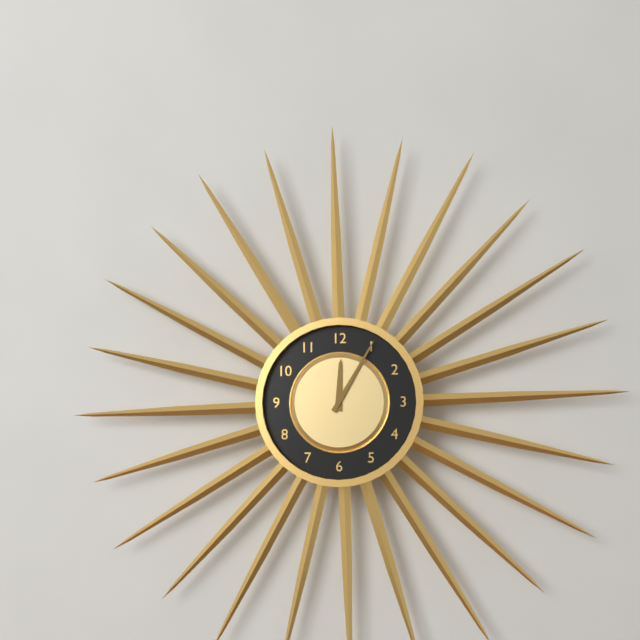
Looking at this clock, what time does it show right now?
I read 12:05
